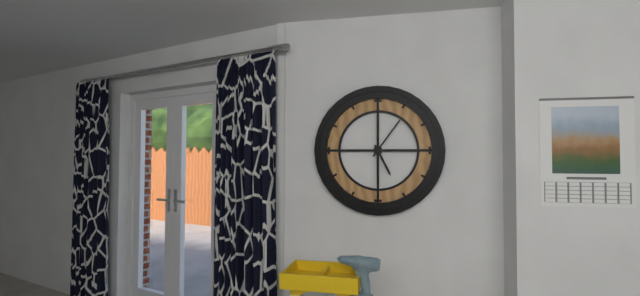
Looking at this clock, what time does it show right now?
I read 5:06
